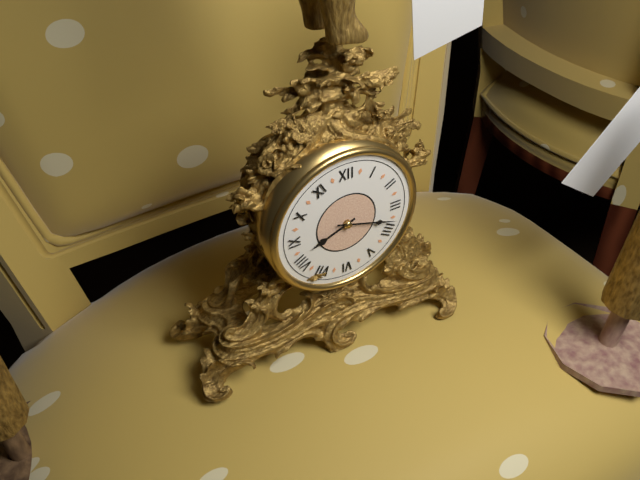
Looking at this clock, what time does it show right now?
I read 8:18
